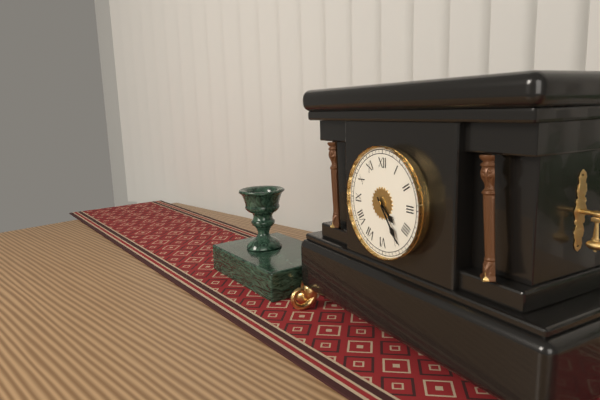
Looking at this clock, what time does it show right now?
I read 4:24
